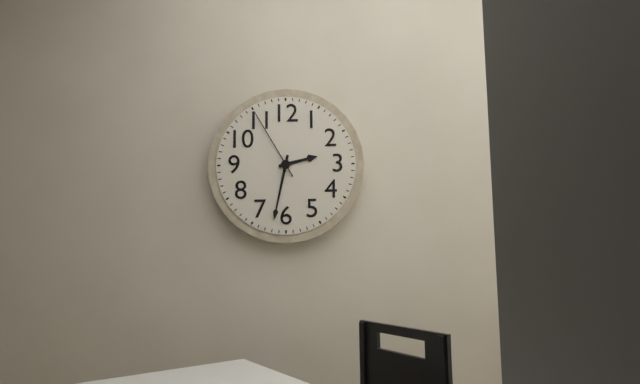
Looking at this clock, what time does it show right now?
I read 2:32:55
